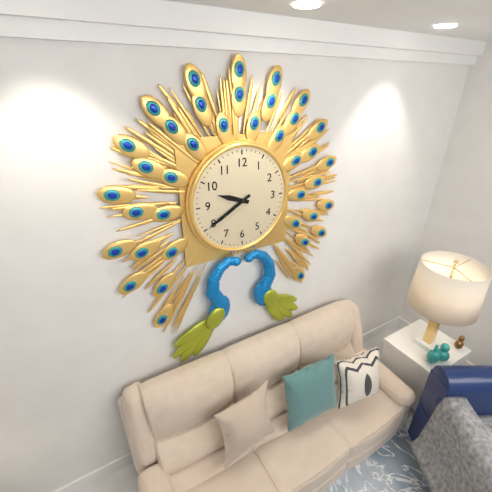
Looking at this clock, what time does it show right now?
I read 9:40
